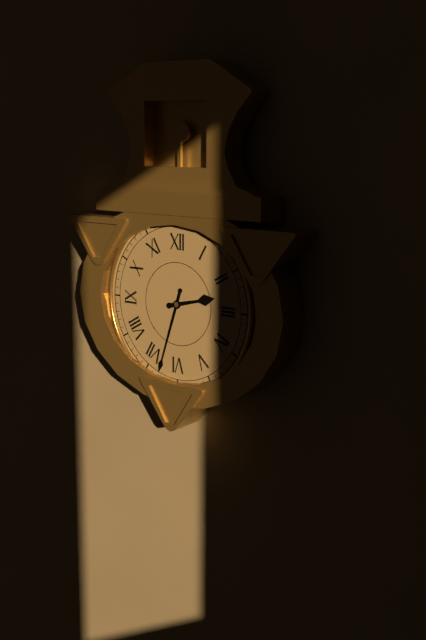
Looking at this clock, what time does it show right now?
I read 2:33
